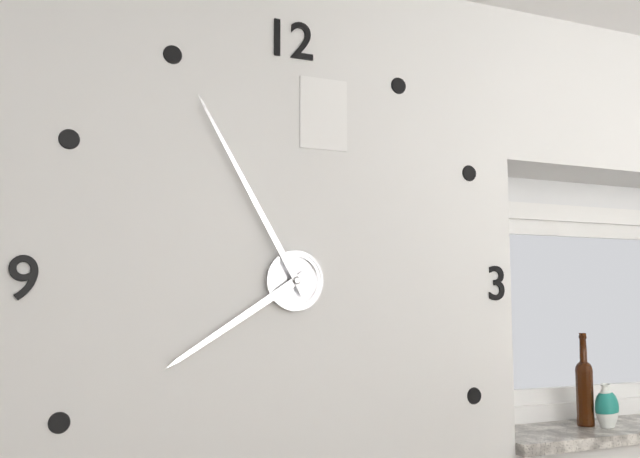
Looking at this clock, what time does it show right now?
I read 7:55
